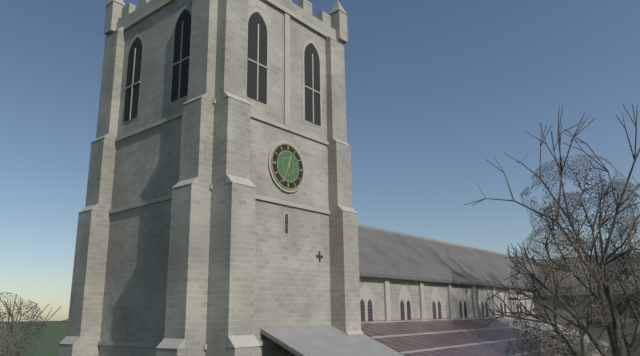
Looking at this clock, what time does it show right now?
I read 12:34
